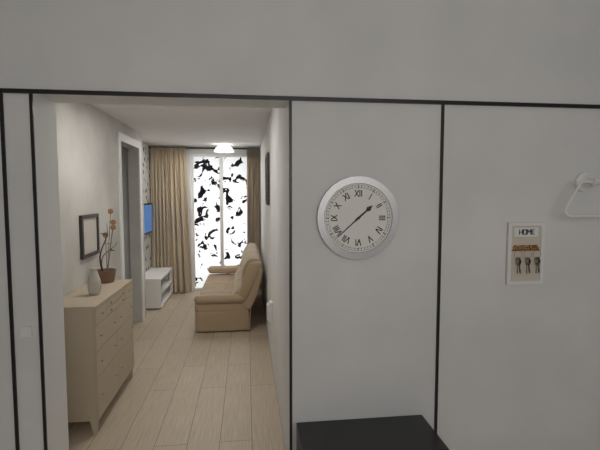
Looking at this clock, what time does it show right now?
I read 1:38
